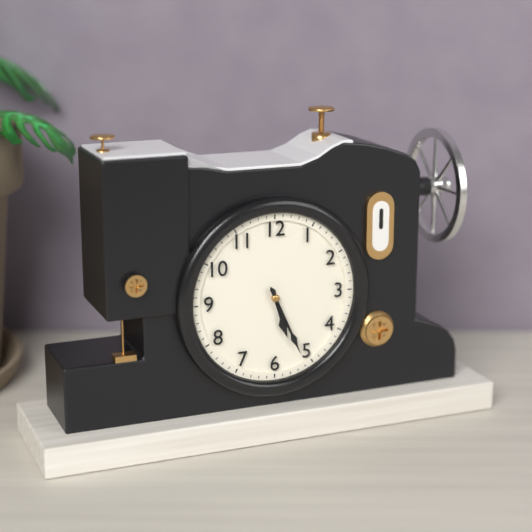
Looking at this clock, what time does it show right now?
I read 5:26
